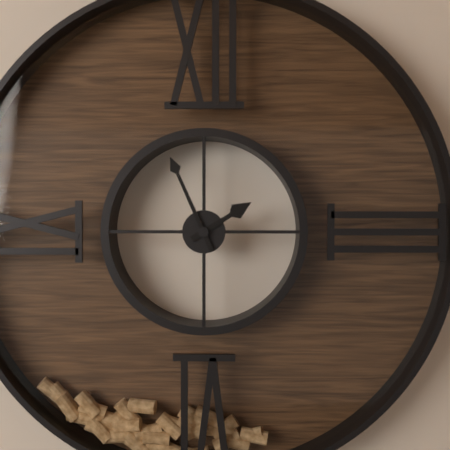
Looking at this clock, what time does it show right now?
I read 1:56
